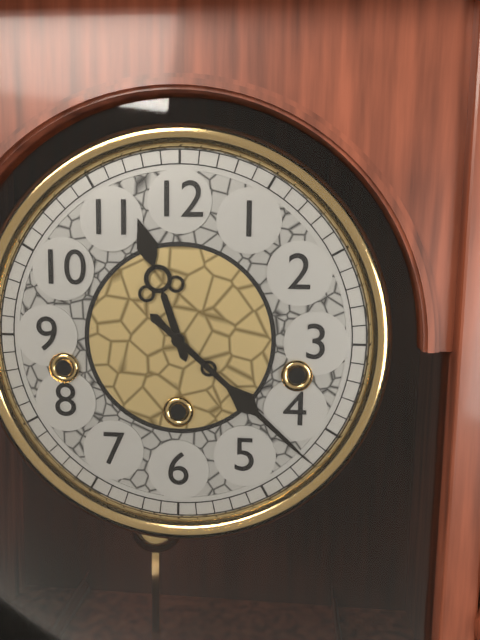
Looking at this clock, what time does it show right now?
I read 11:22
